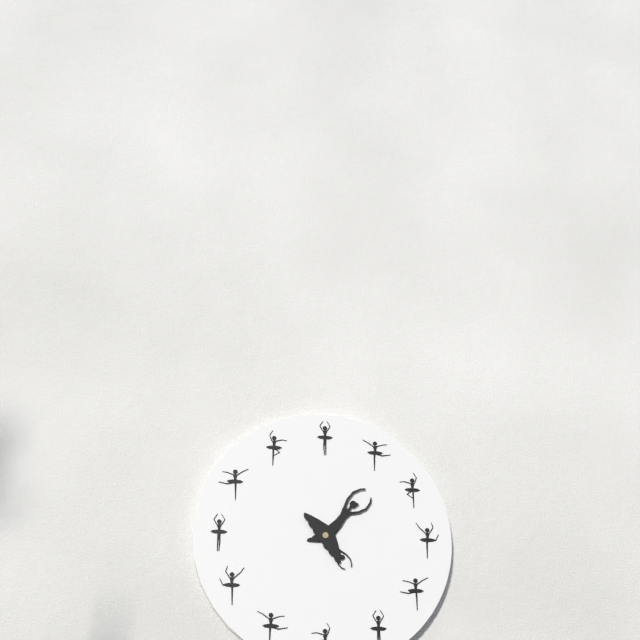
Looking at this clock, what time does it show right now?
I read 5:09
